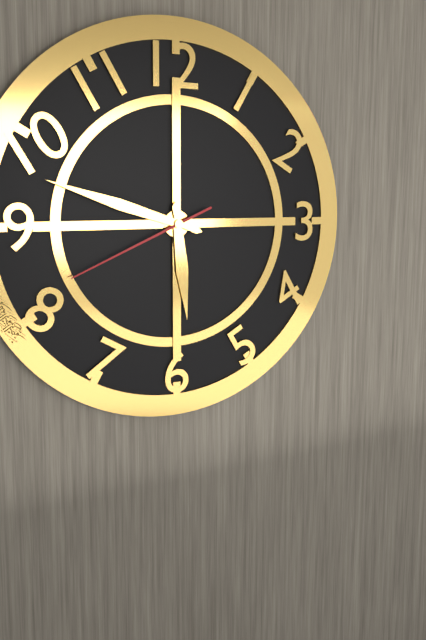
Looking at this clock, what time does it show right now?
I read 5:48:41
